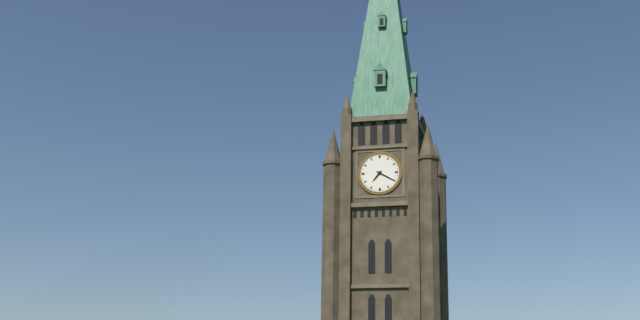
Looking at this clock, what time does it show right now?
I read 7:20
